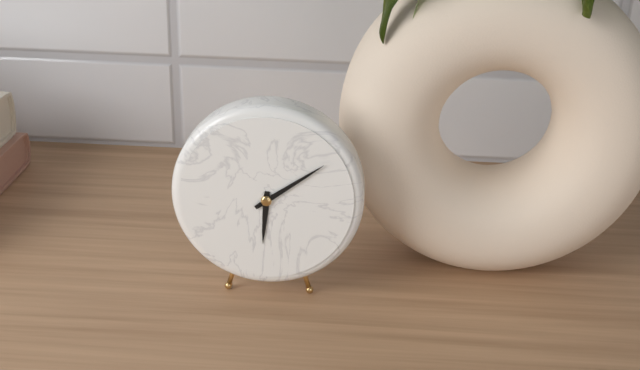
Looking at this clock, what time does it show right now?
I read 6:09
